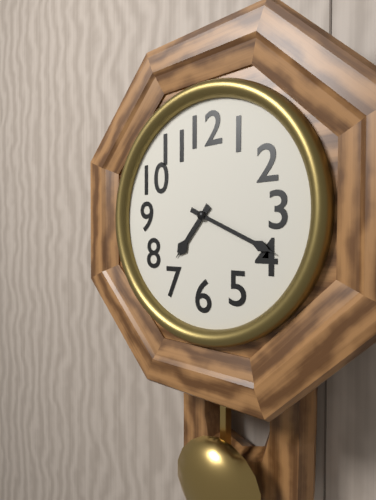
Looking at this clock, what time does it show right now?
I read 7:19
